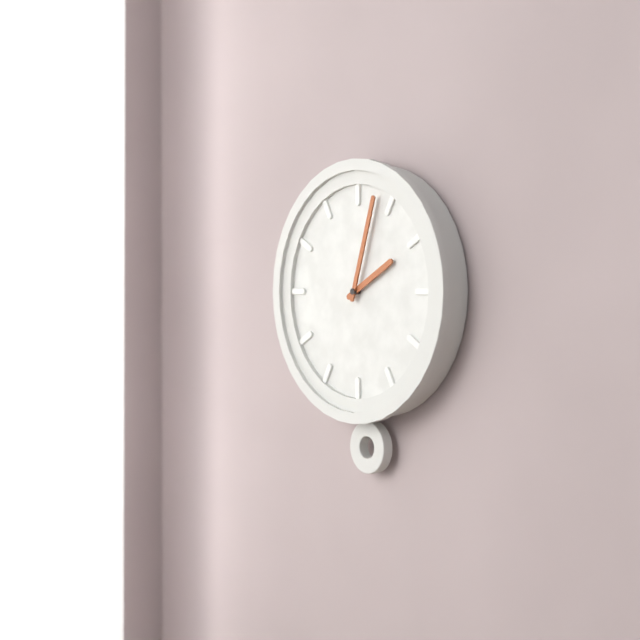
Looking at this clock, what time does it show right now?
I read 2:03
